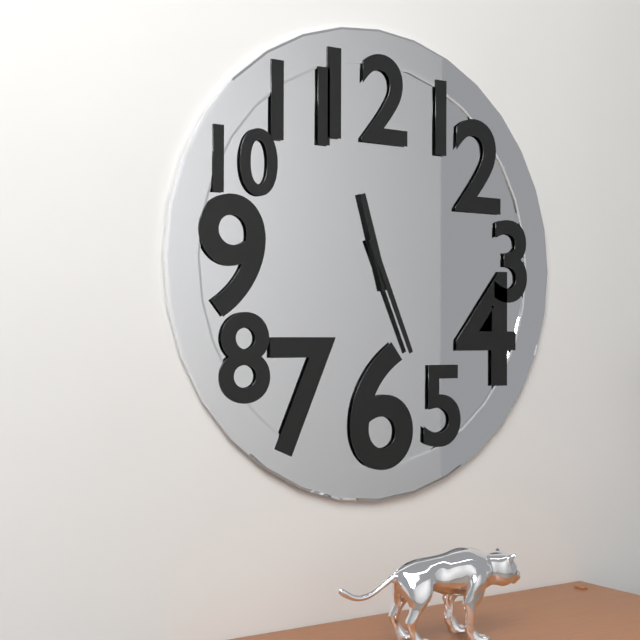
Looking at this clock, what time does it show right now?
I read 11:26
